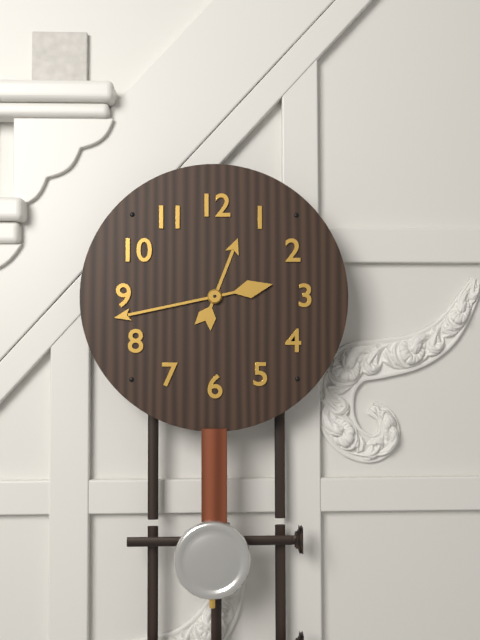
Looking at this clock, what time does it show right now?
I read 12:43
